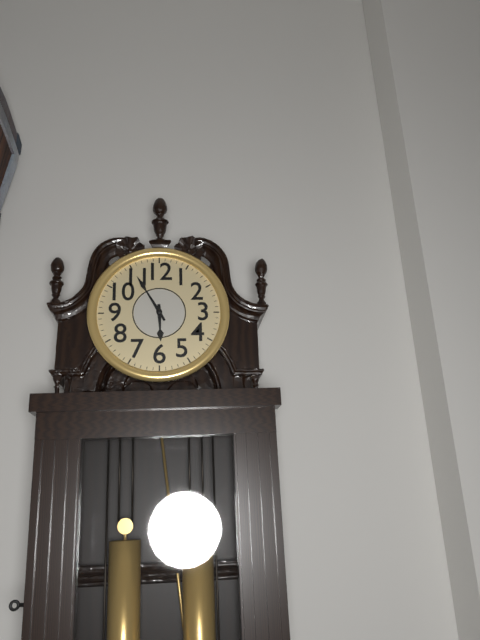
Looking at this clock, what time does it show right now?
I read 5:55
